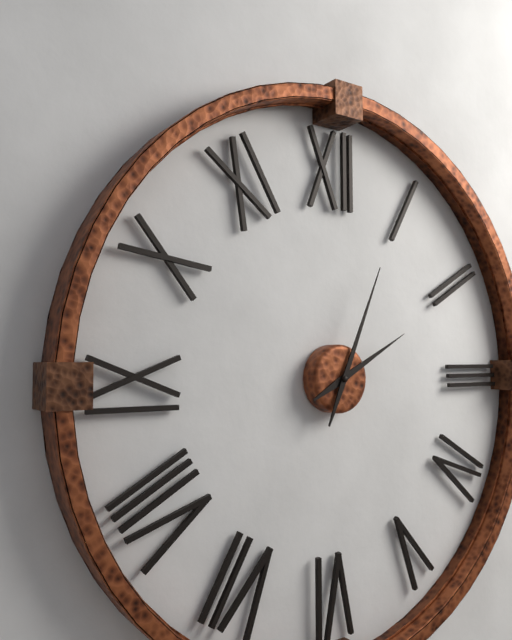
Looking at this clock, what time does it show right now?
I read 2:04
